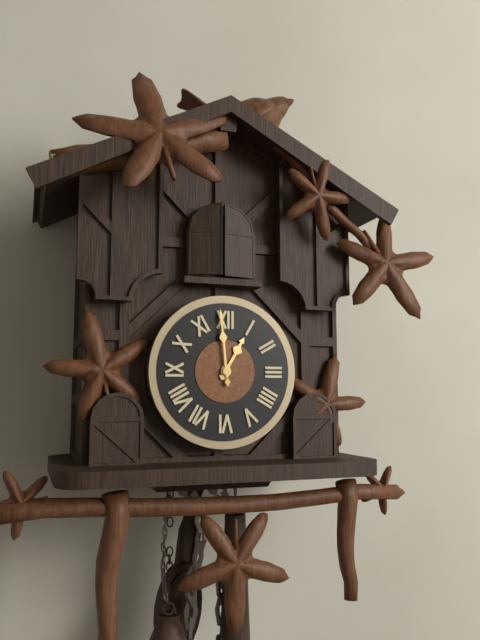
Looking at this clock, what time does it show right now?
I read 12:59
